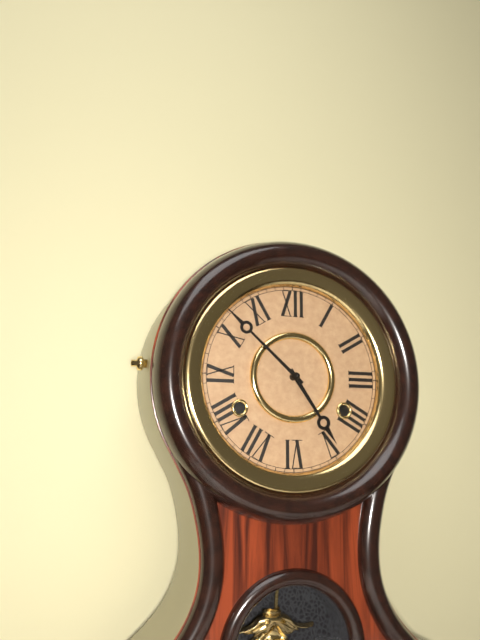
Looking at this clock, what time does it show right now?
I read 4:52
